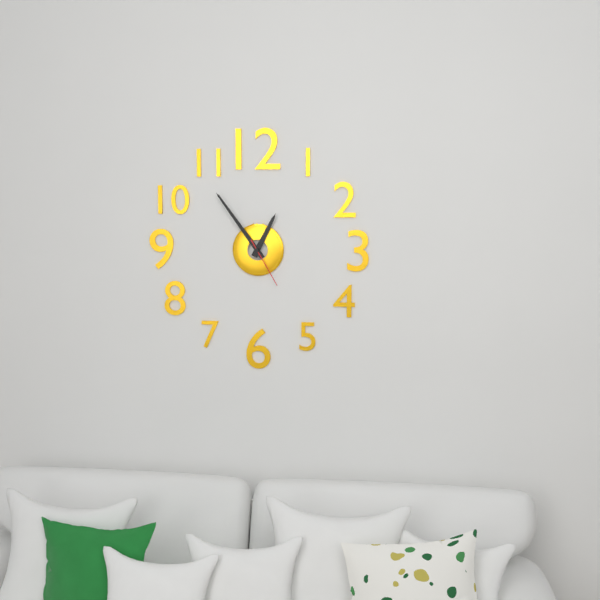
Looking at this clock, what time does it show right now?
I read 12:54:25
